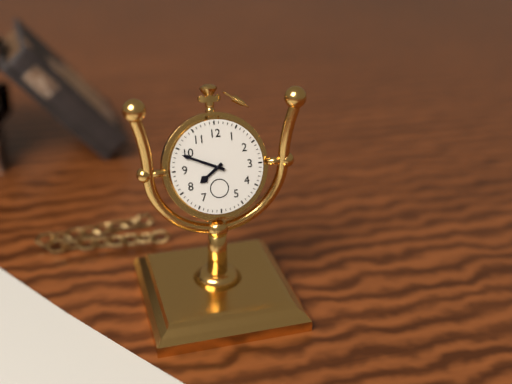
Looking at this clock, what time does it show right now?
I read 7:49
